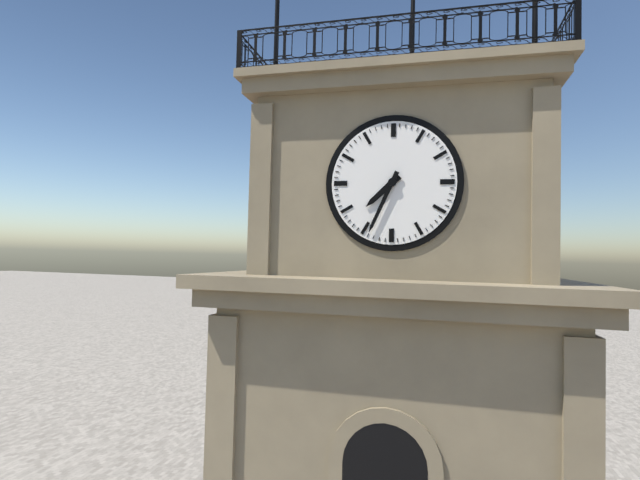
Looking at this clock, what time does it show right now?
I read 7:34
